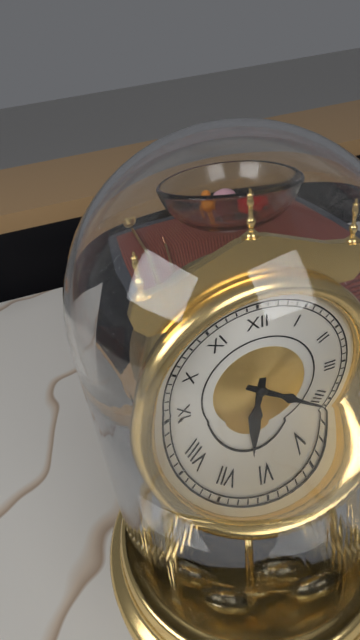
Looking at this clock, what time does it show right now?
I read 6:21
